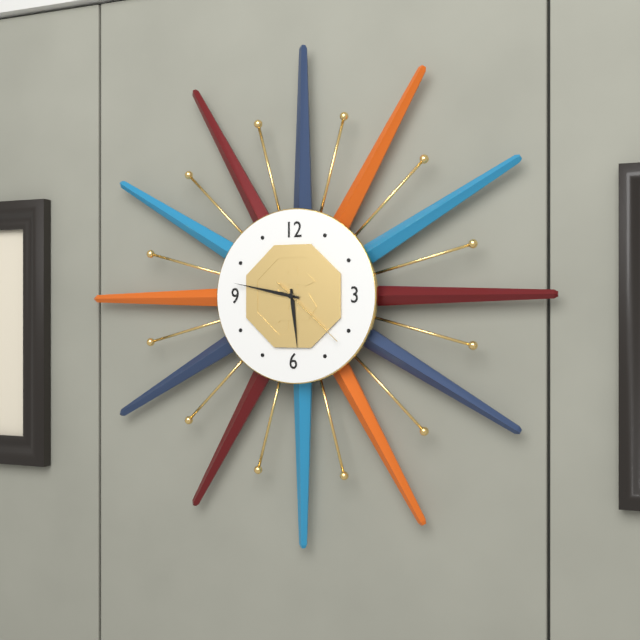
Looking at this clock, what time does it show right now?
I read 5:47:22
